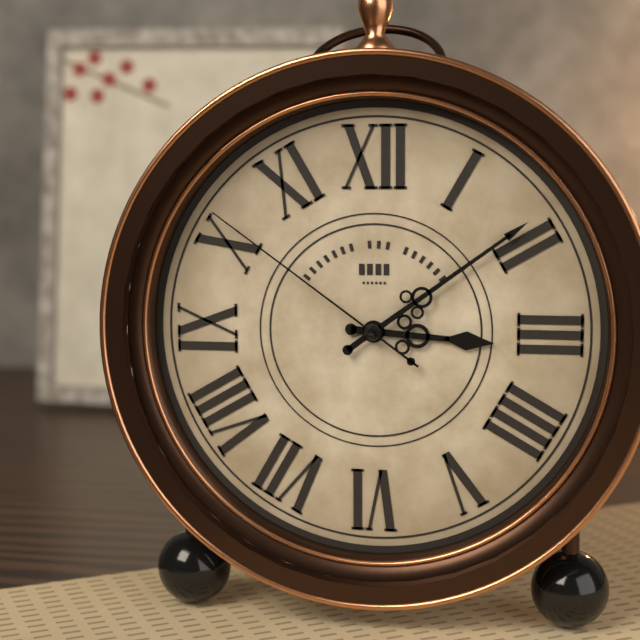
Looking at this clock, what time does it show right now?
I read 3:09:51
